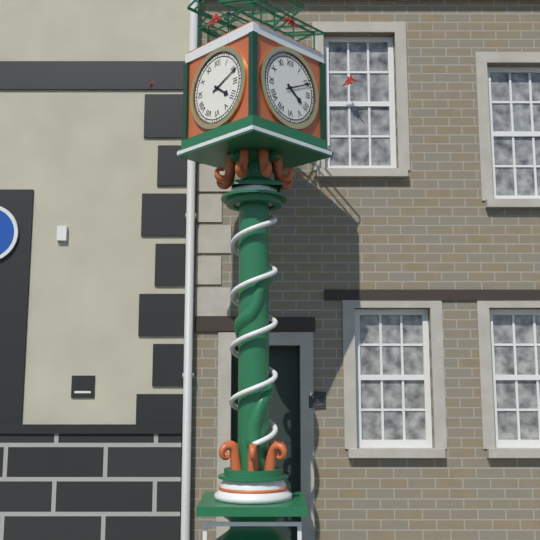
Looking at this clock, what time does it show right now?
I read 4:11
